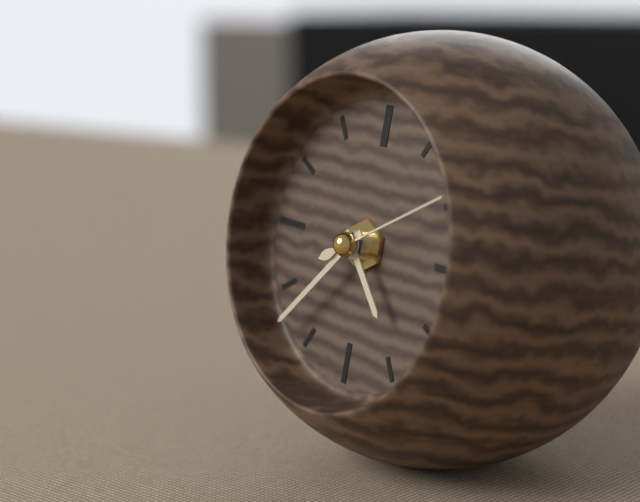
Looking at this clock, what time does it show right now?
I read 4:37:10
